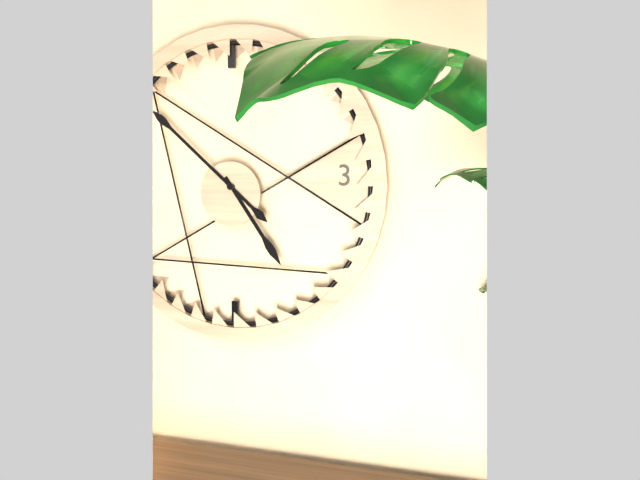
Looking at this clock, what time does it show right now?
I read 4:52
